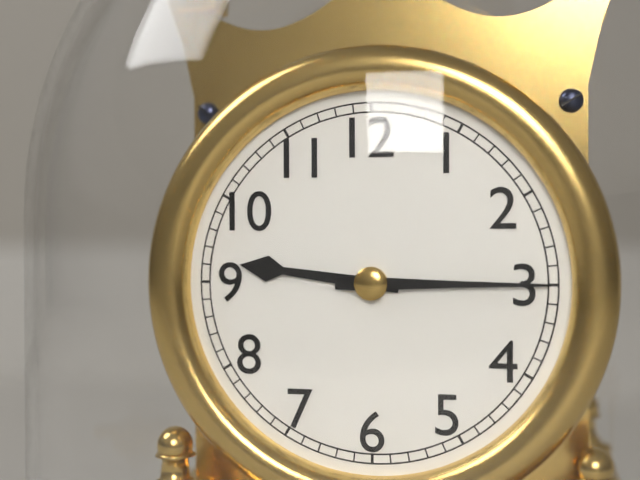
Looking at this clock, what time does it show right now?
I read 9:15
